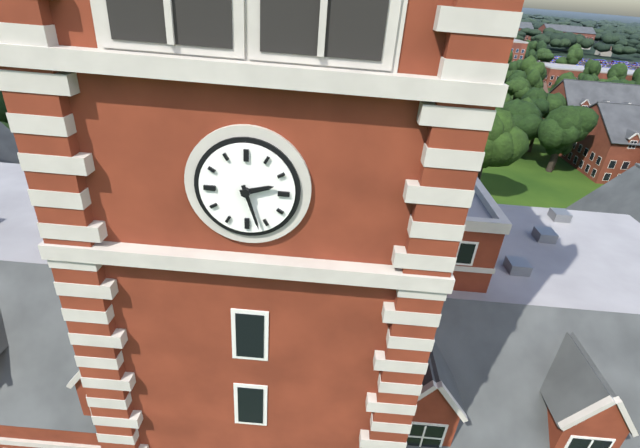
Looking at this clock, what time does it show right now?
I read 2:27
